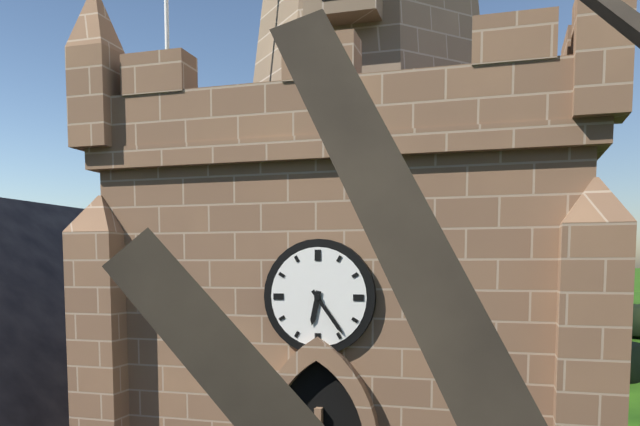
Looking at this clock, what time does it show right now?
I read 6:24
